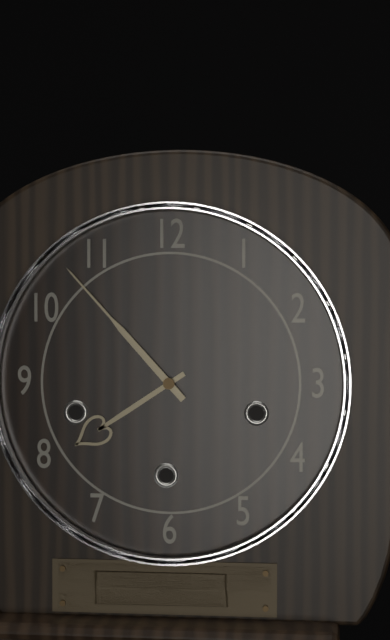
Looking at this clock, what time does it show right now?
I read 7:53
